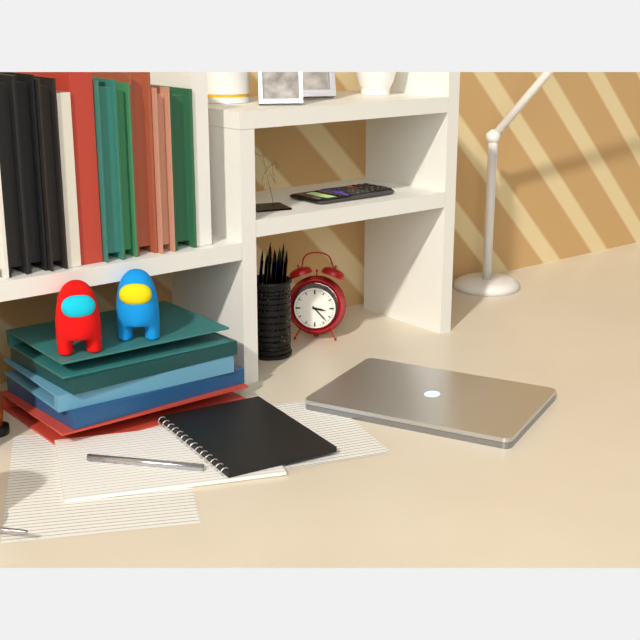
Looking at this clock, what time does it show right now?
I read 3:23
